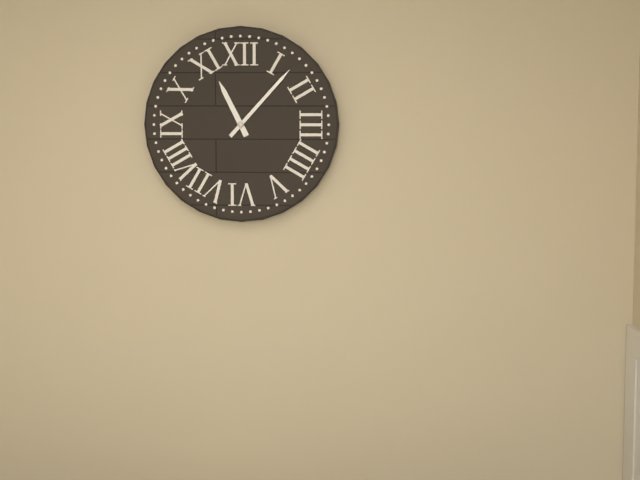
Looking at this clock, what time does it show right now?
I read 11:07
